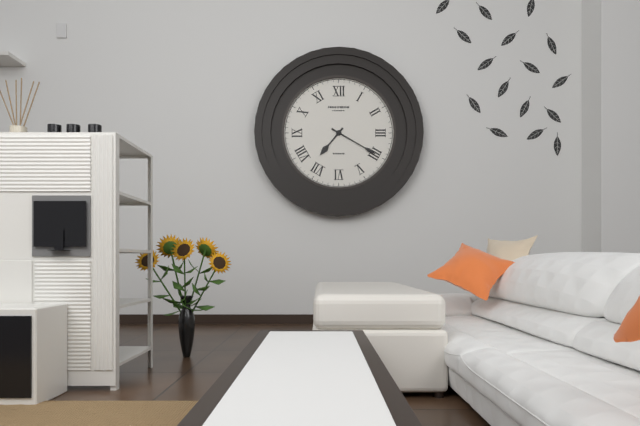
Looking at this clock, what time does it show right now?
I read 7:20
